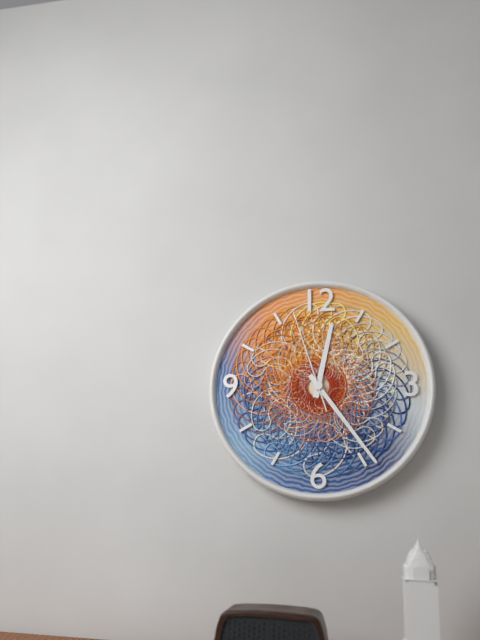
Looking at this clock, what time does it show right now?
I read 12:24:57
